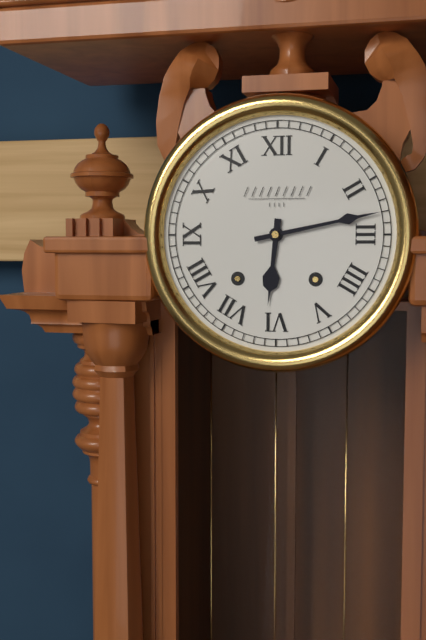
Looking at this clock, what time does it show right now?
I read 6:13
